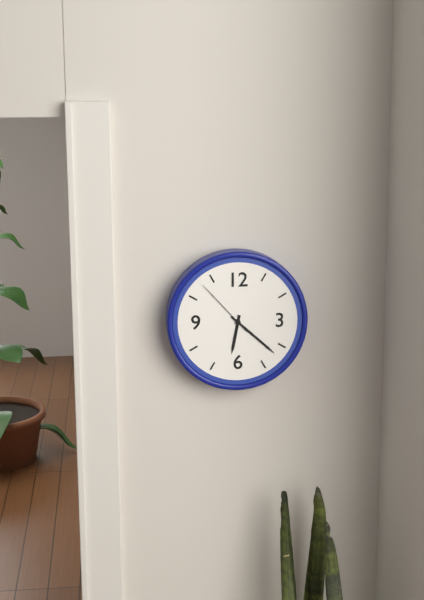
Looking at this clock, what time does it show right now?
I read 6:22:53
